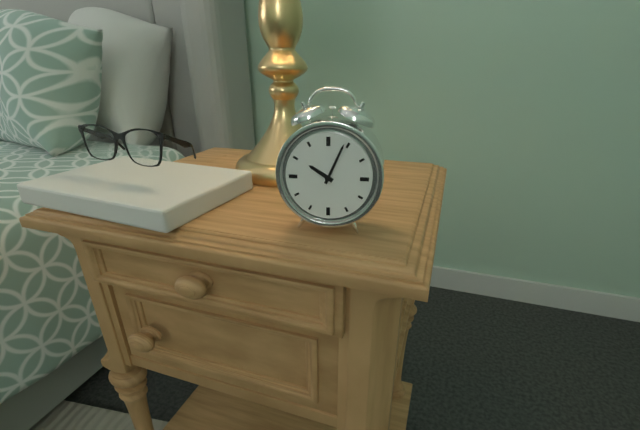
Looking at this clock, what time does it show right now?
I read 10:04
